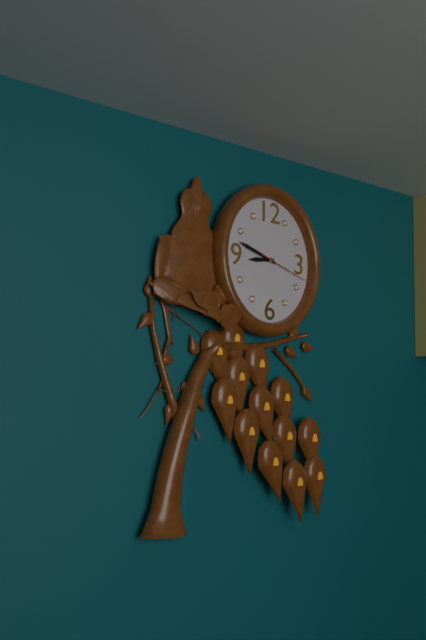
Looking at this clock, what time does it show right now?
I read 8:48:18
